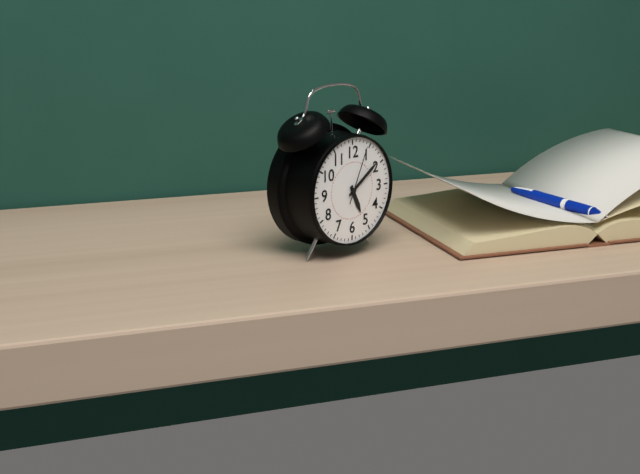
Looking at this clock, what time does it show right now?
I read 5:09:04
